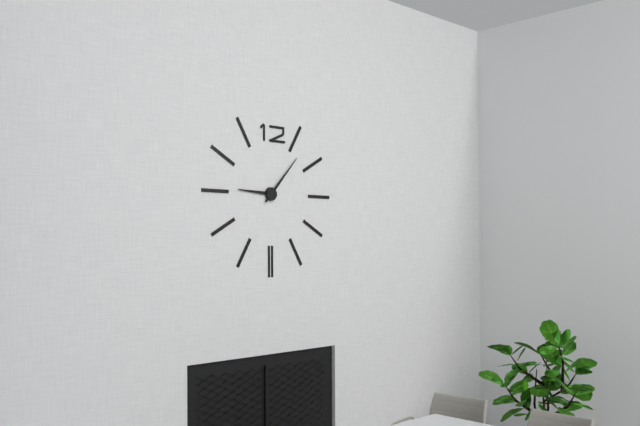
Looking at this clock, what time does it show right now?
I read 9:07
